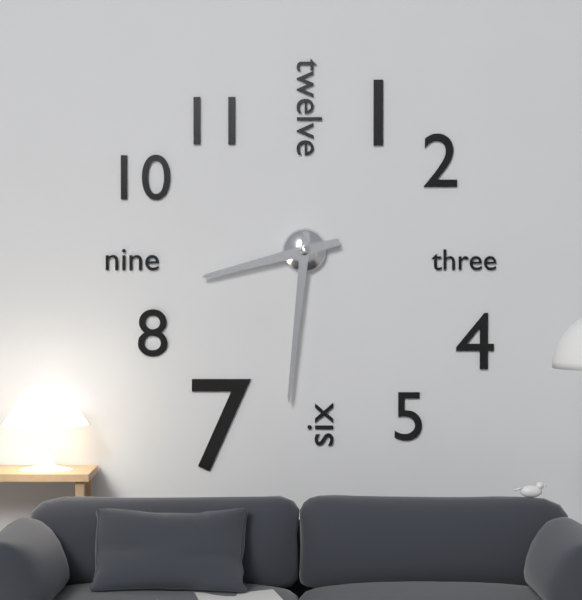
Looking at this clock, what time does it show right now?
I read 8:31
